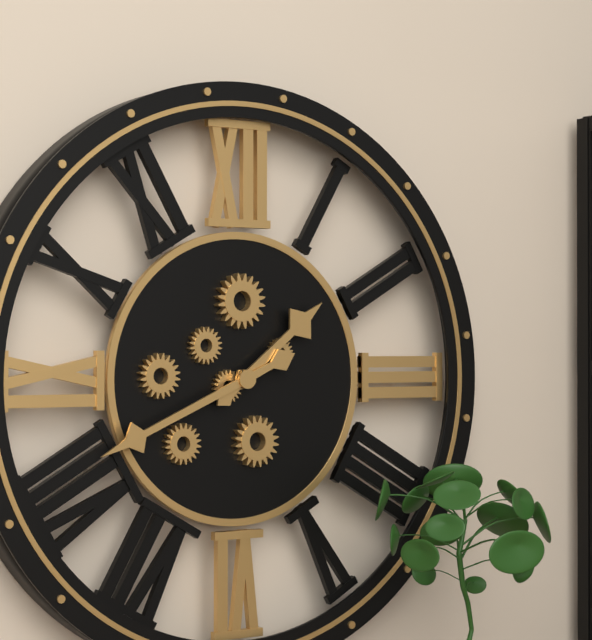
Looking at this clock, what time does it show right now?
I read 1:41
